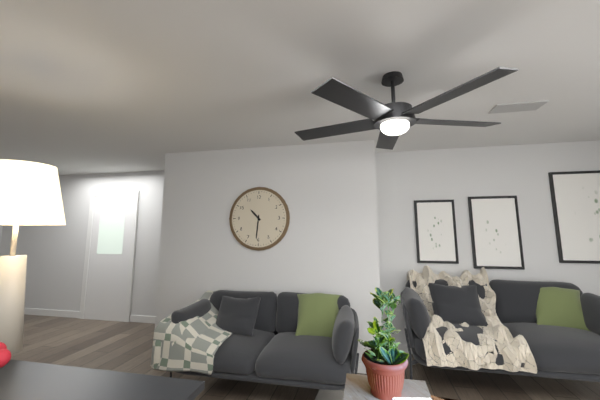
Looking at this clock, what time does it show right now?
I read 10:31
